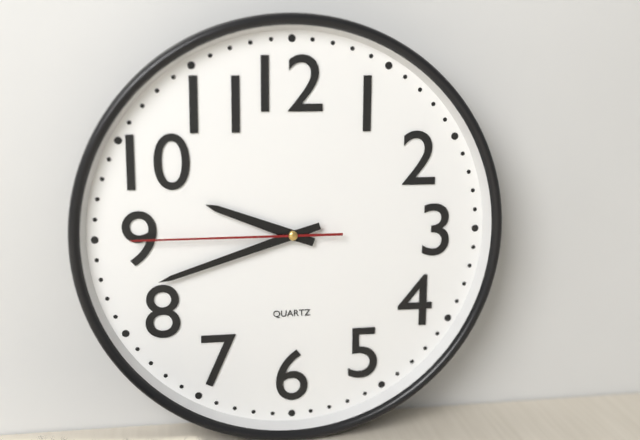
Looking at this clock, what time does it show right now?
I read 9:42:45
